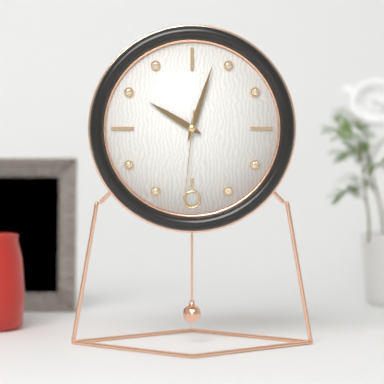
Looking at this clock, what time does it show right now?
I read 10:03:31
